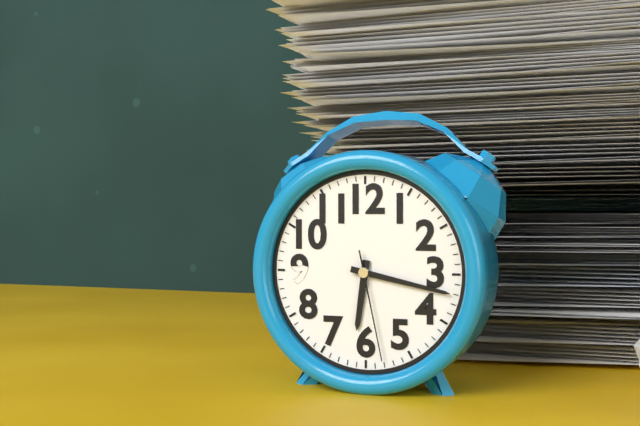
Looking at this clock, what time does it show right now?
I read 6:17:28
